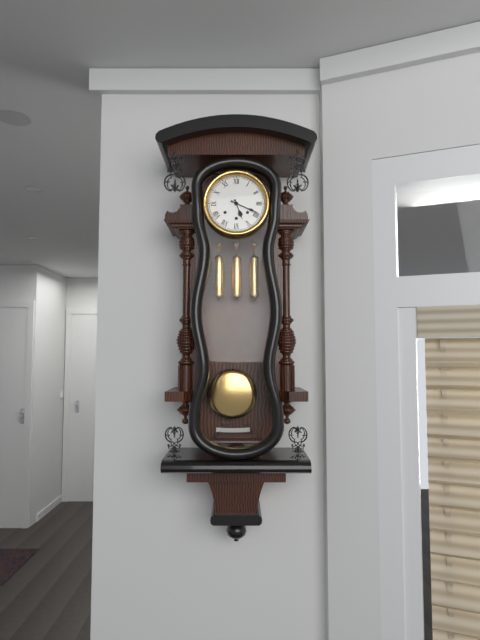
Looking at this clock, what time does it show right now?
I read 5:19
